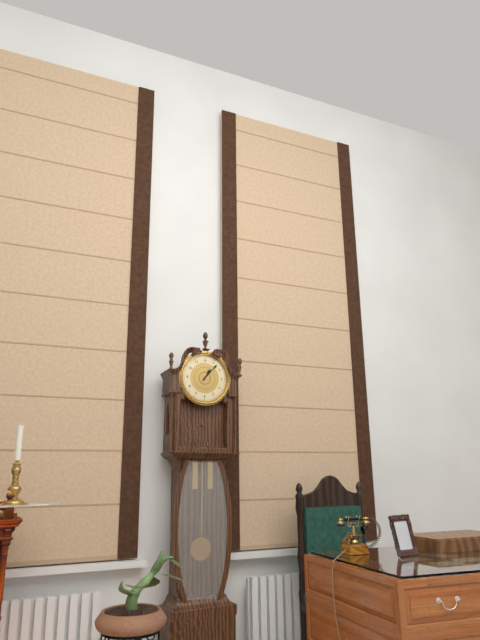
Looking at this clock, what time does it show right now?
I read 1:07
